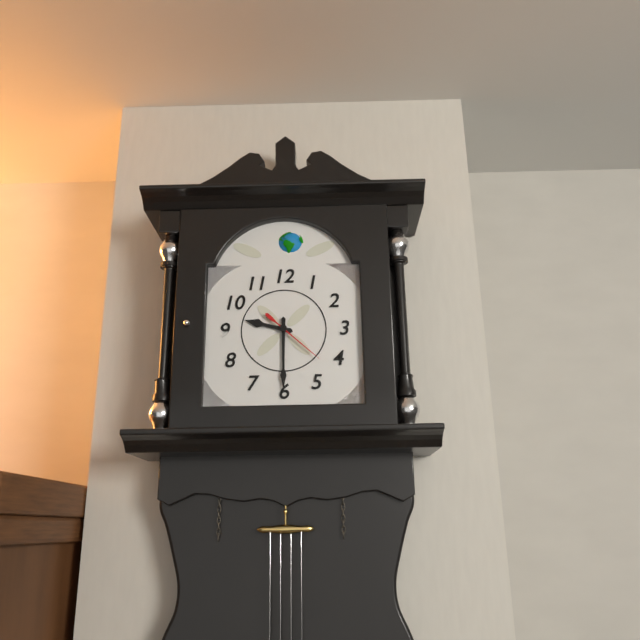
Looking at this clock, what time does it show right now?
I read 9:30:22
